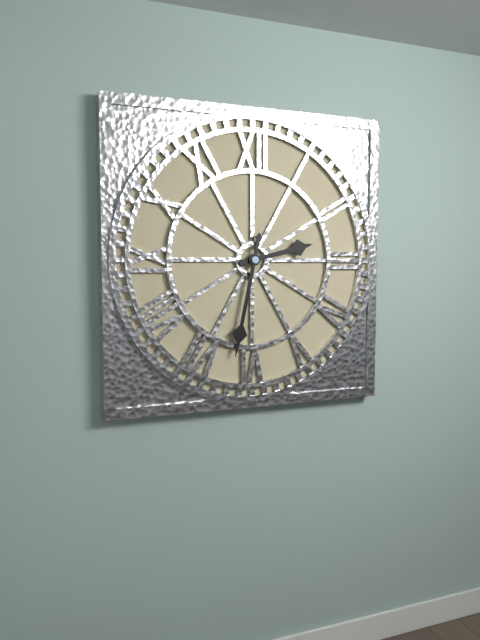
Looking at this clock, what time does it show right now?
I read 2:32
